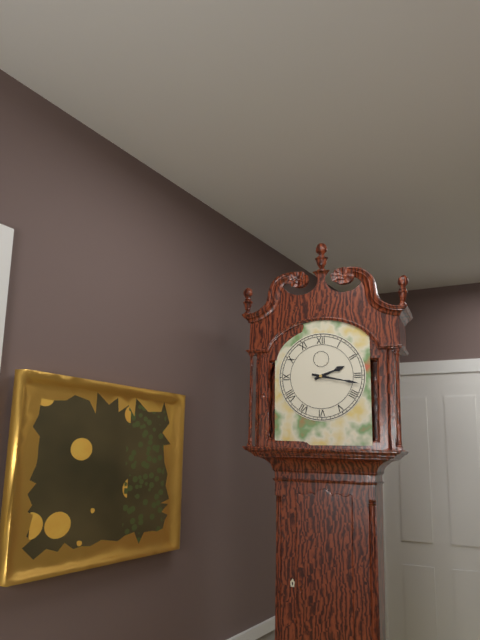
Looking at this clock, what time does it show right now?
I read 2:17
